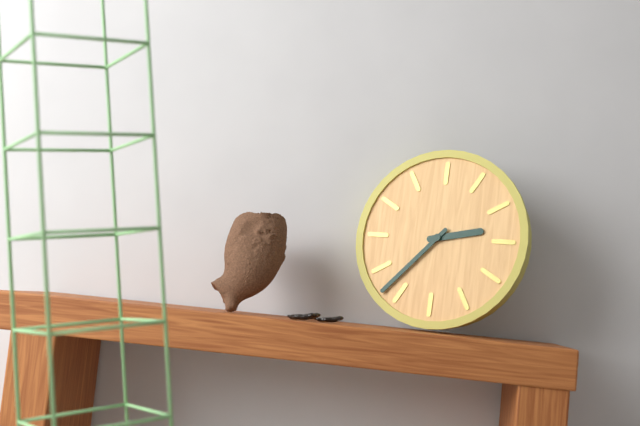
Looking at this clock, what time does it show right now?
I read 2:37
